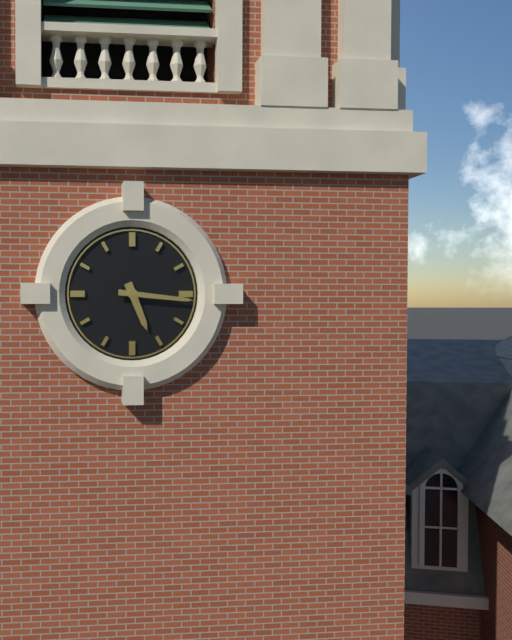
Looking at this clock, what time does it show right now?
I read 5:16
